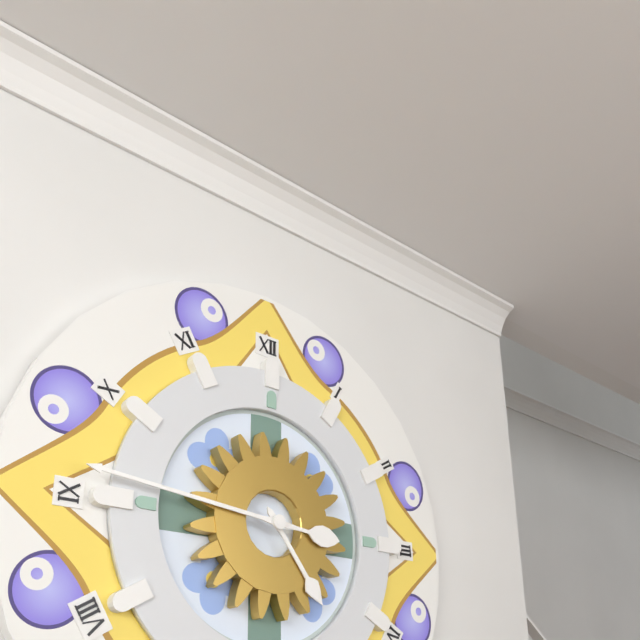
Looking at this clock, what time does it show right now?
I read 4:46
